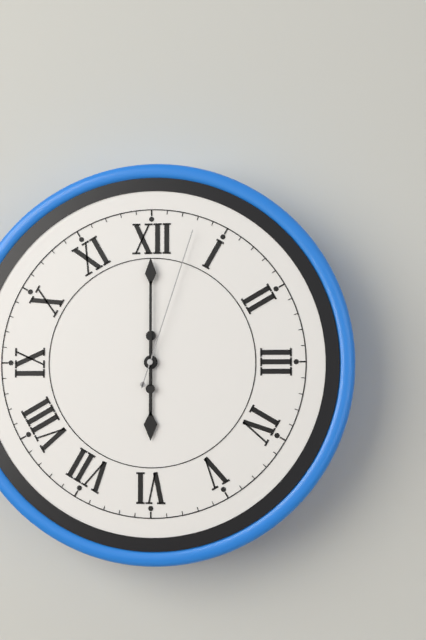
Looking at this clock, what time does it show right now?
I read 6:00:03
